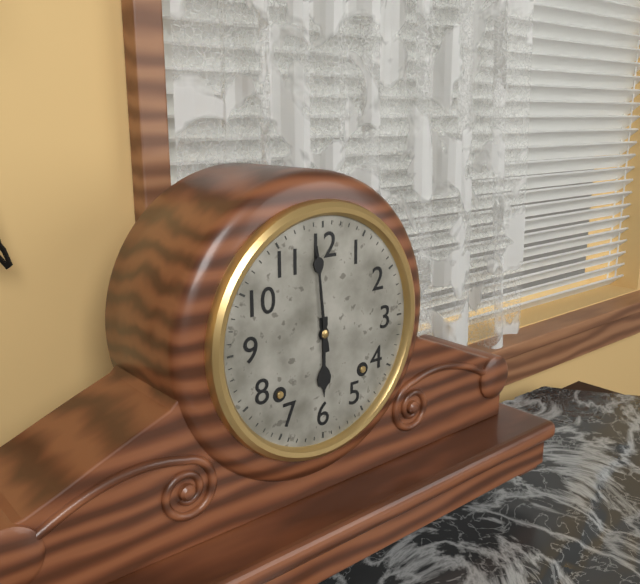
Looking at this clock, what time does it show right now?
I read 5:59
